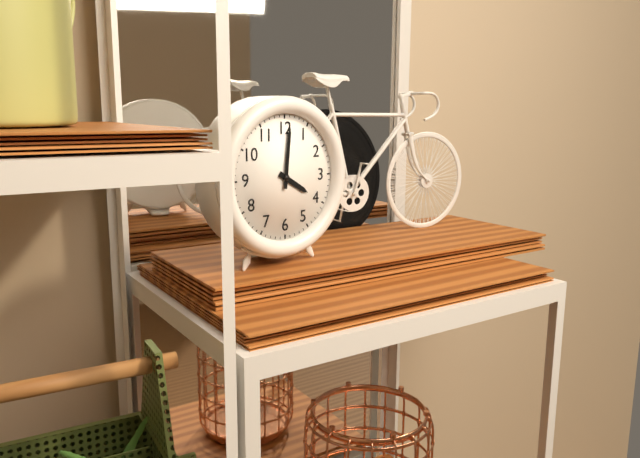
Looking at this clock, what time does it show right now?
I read 4:01
